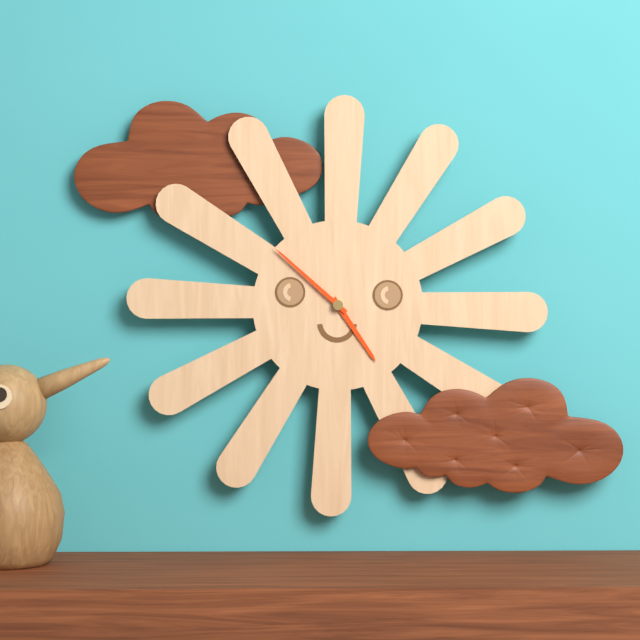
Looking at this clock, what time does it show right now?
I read 4:52
